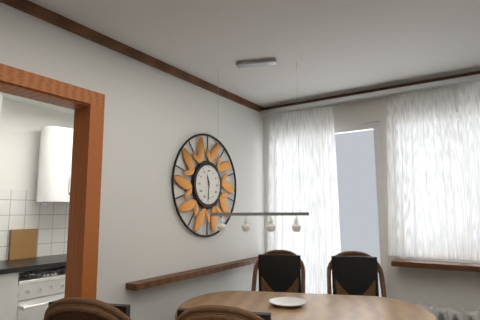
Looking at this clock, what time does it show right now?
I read 11:31
